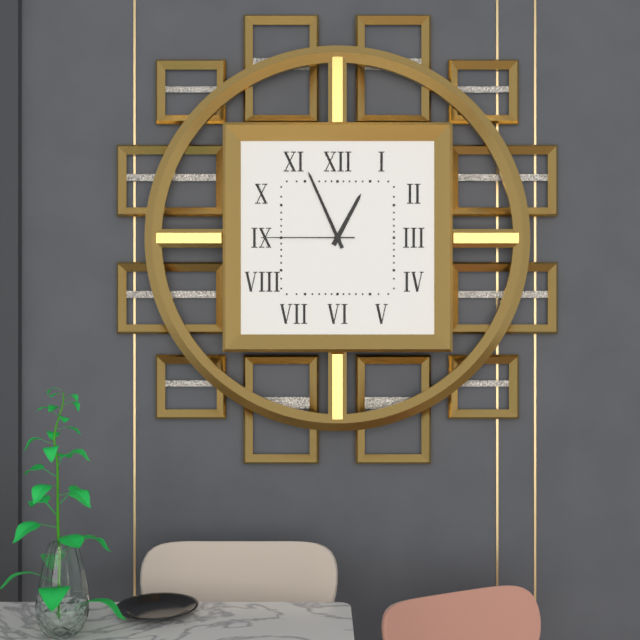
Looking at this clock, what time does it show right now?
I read 12:56:45
